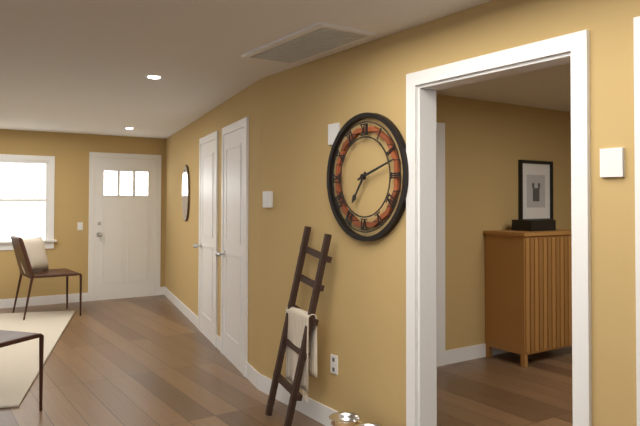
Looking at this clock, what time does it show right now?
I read 7:12
